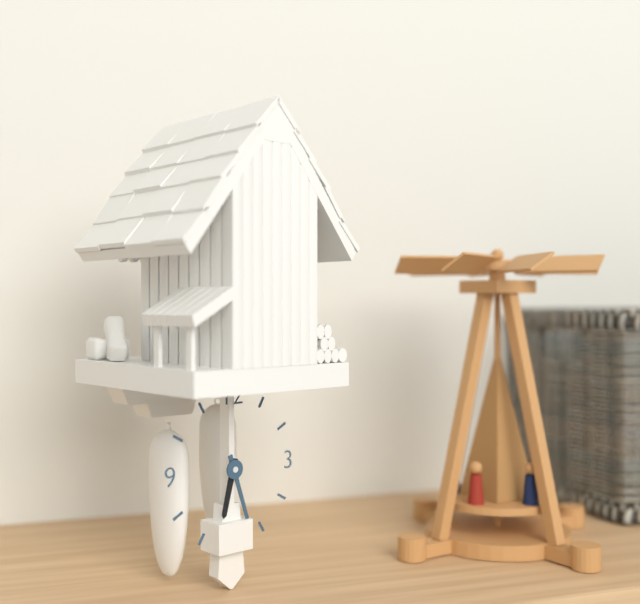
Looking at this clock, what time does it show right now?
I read 6:27
